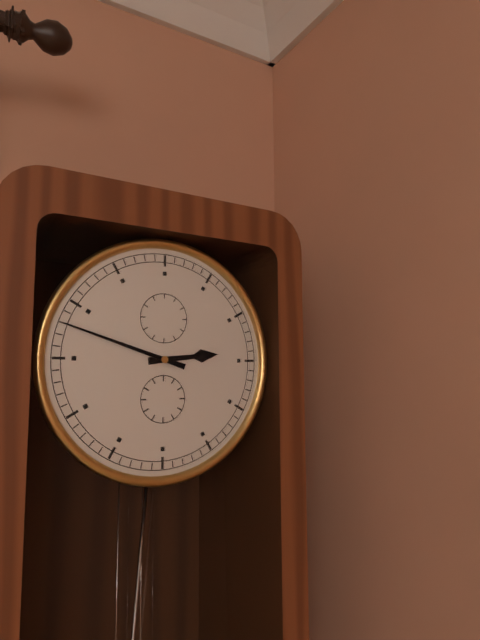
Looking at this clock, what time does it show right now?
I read 2:48
